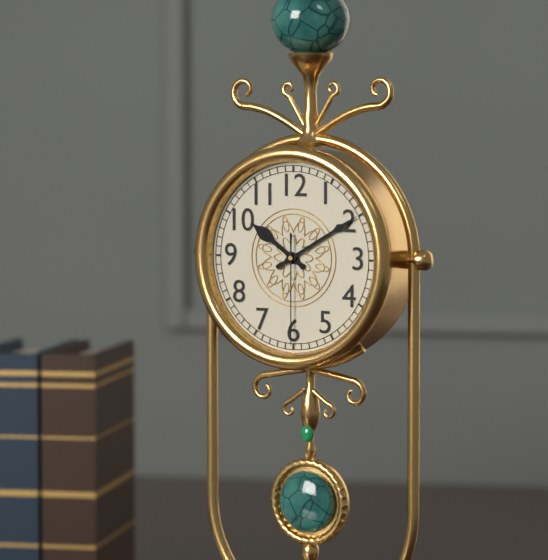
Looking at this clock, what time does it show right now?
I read 10:10:30
